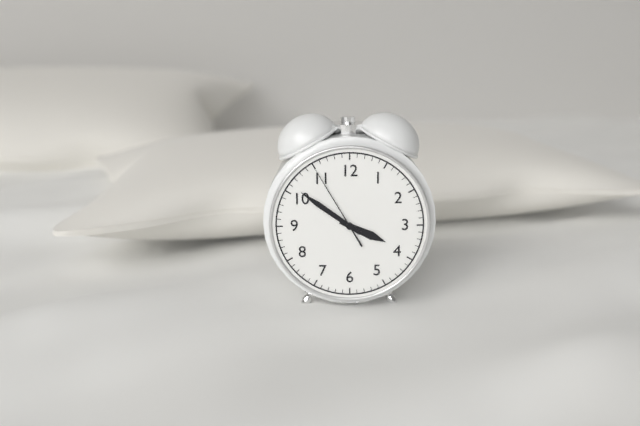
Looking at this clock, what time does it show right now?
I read 3:51:55
